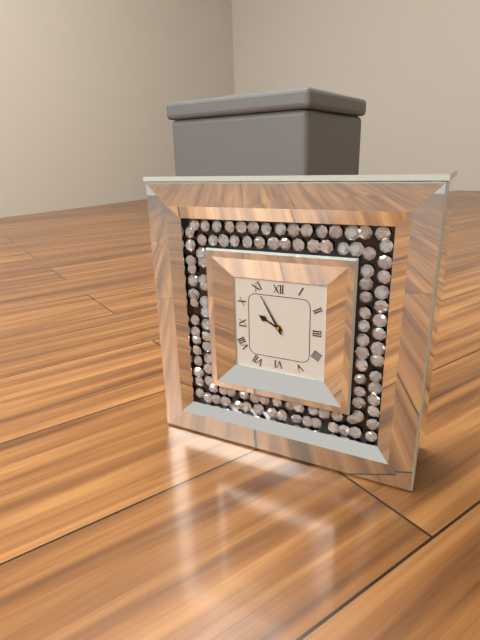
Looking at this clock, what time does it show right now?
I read 9:55
